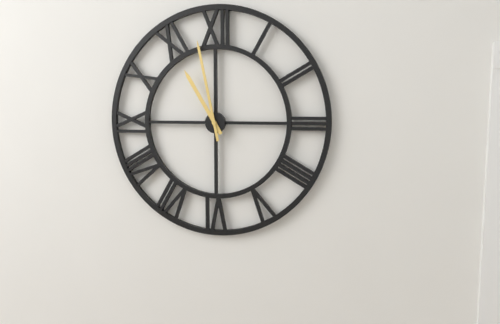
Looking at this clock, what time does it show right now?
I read 10:58
